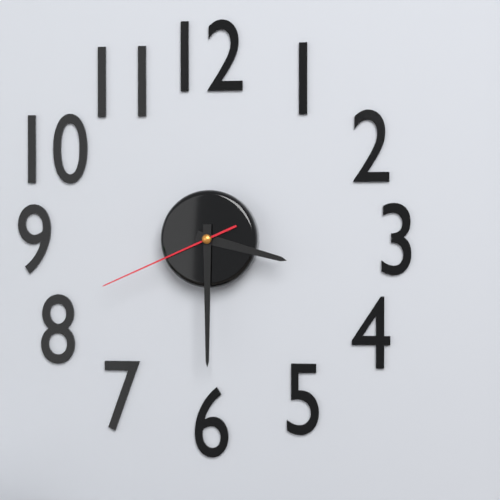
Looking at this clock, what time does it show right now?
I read 3:30:41
